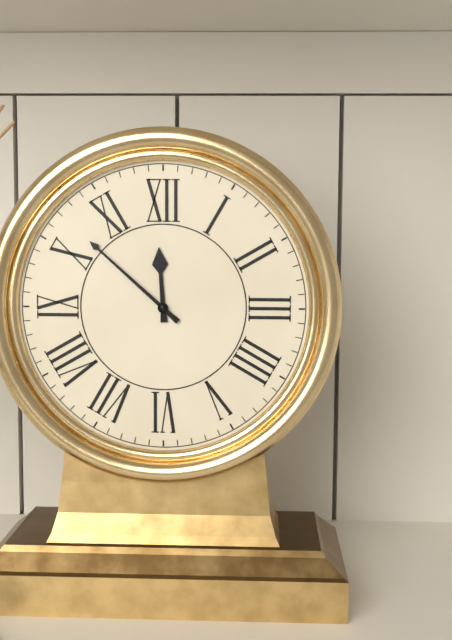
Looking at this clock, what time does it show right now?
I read 11:52
